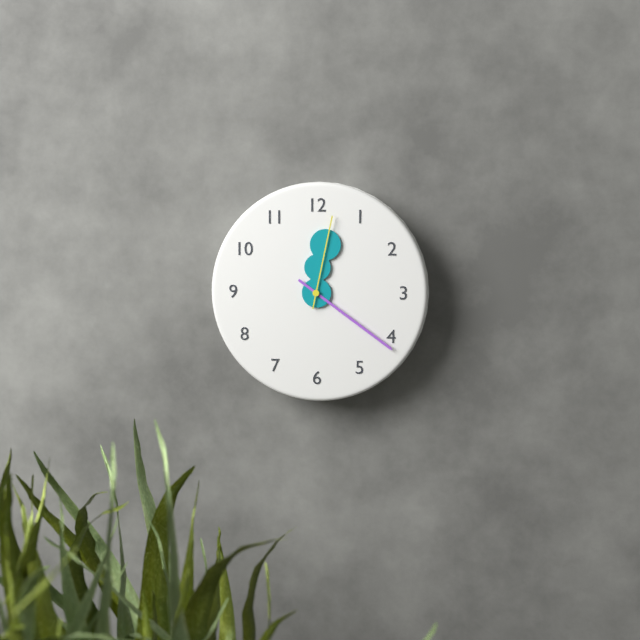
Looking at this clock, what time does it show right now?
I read 12:21:02
